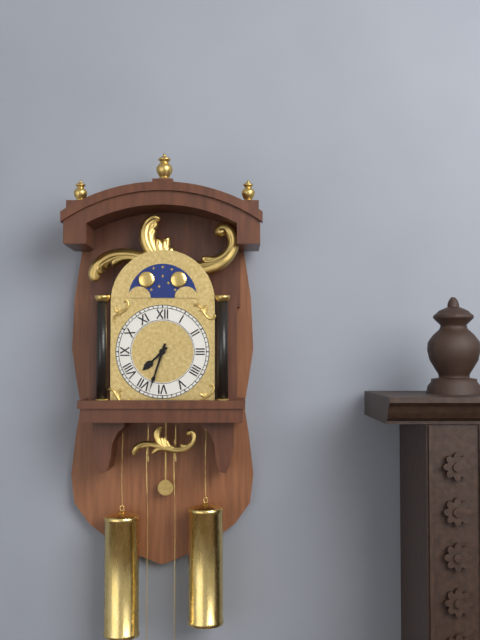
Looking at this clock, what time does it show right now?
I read 7:33
